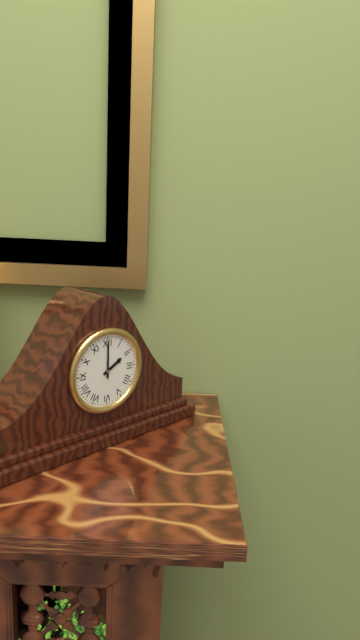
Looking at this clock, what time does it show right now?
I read 2:00
